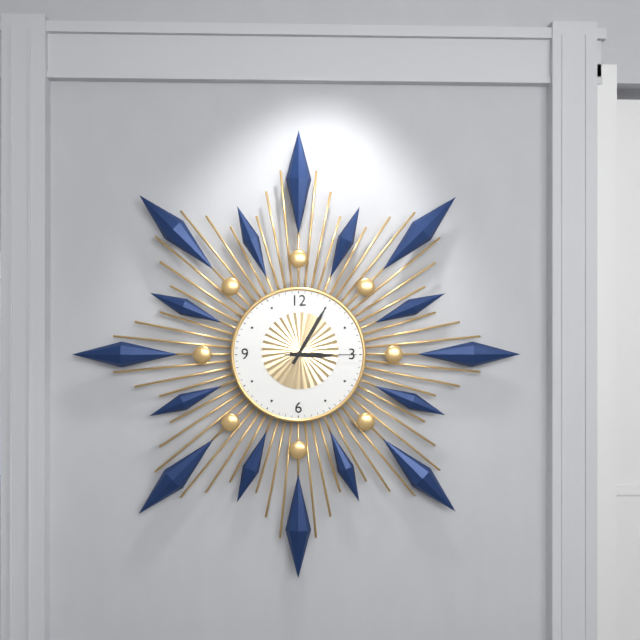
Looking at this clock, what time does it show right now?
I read 3:05:15
